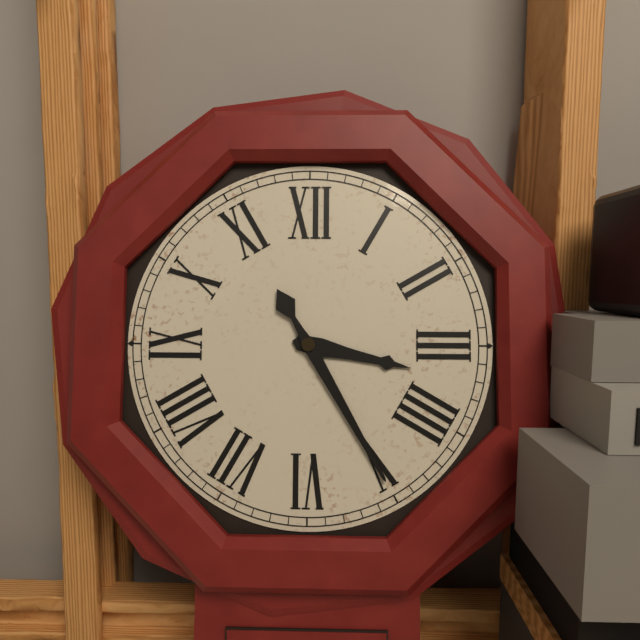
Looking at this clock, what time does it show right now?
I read 3:25
